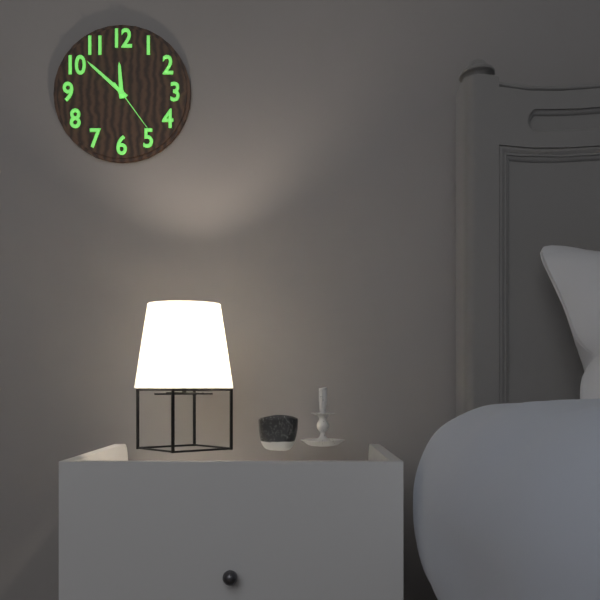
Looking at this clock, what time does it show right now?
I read 11:52:24
